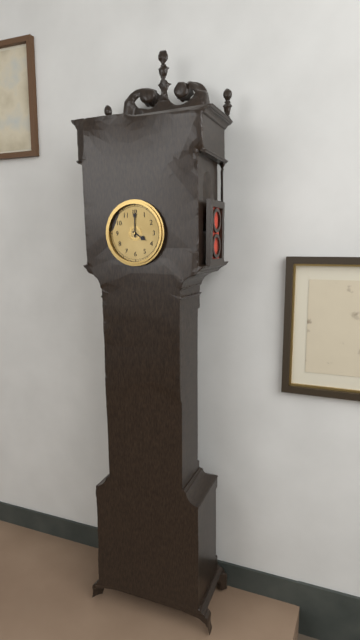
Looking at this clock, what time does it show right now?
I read 4:00
